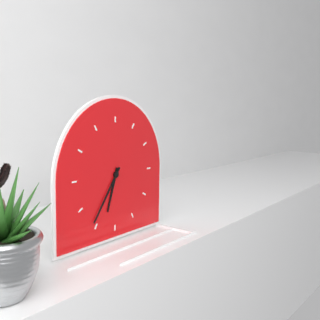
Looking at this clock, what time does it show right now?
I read 6:36
